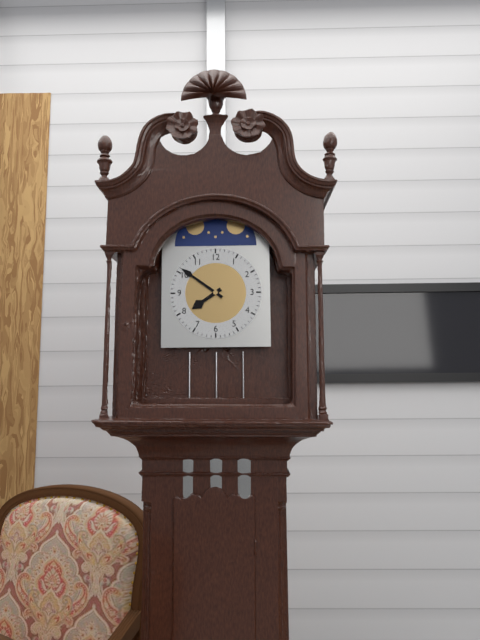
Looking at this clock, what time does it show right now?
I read 7:51
